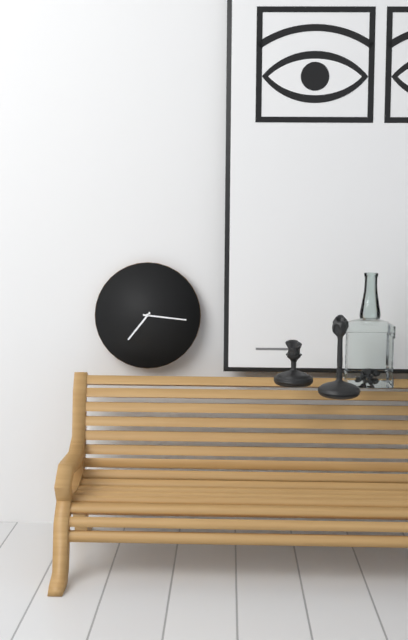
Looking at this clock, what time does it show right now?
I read 7:16
